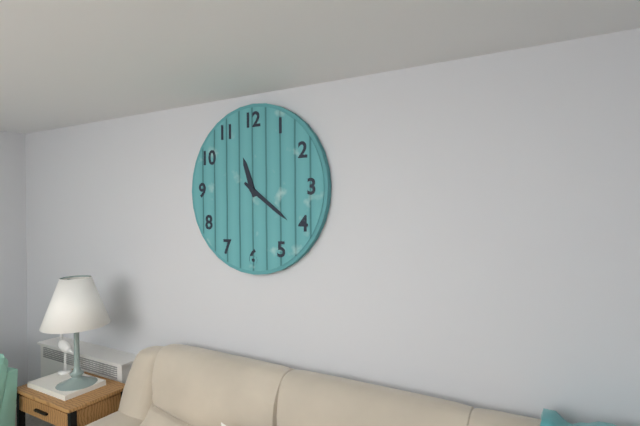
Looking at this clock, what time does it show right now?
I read 11:21
